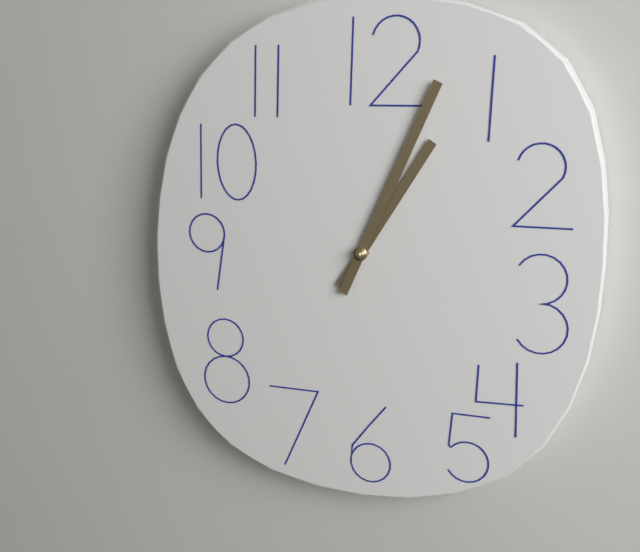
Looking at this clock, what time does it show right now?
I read 1:04
